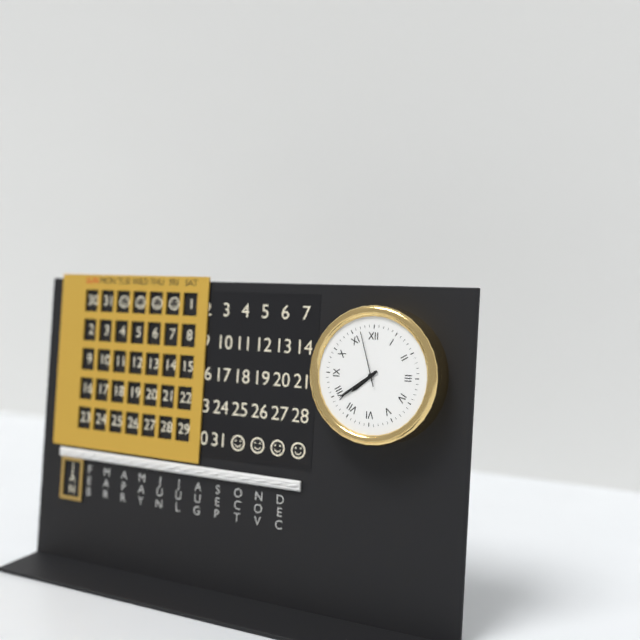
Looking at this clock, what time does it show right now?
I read 7:39:57
